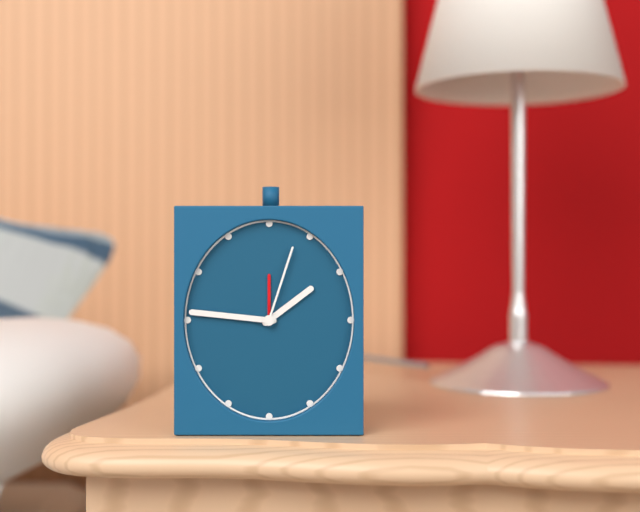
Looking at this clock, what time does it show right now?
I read 1:46:03
